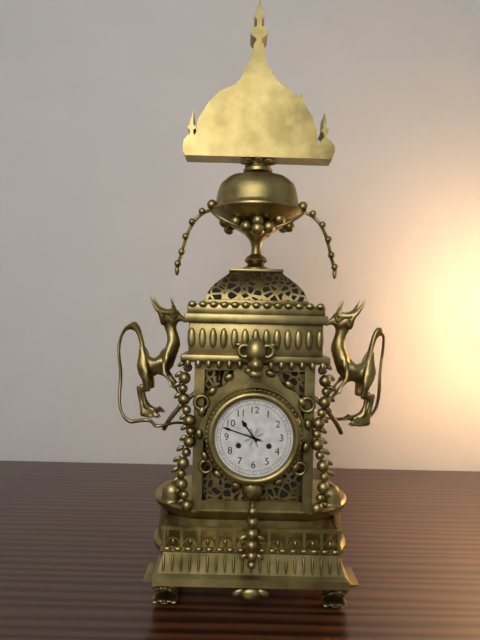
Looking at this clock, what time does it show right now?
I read 10:48
